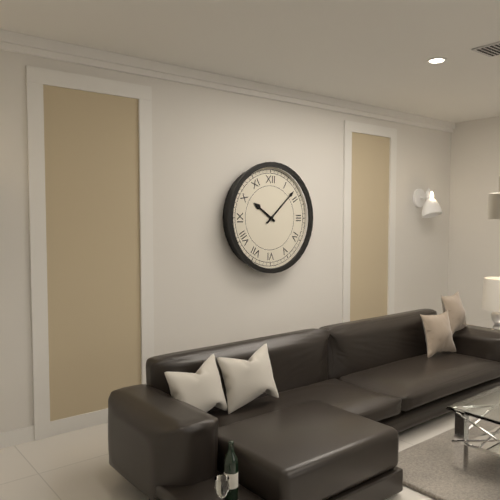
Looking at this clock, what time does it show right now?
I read 10:08
